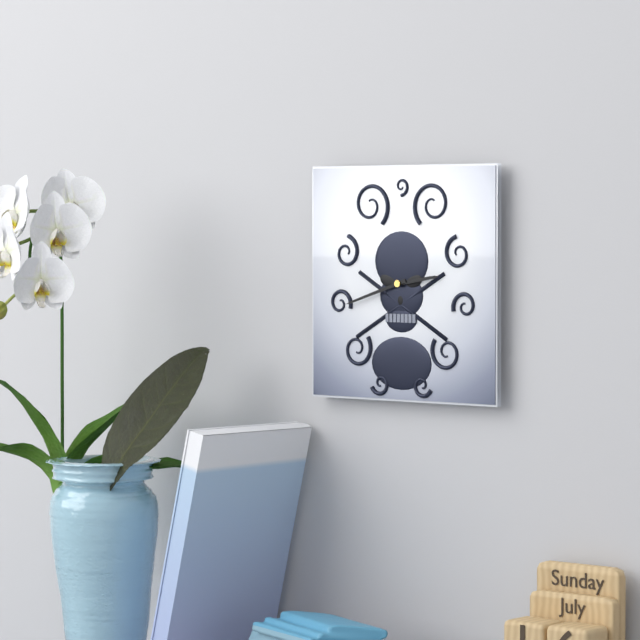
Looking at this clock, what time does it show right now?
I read 2:42
